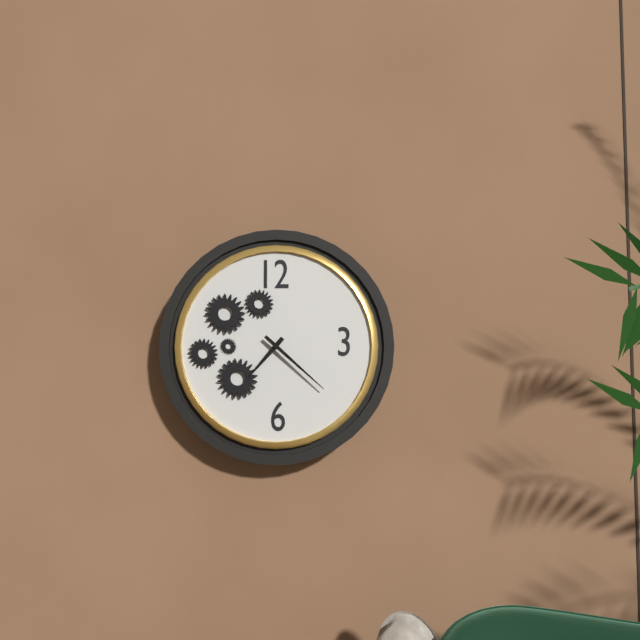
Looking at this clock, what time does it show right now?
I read 7:22
